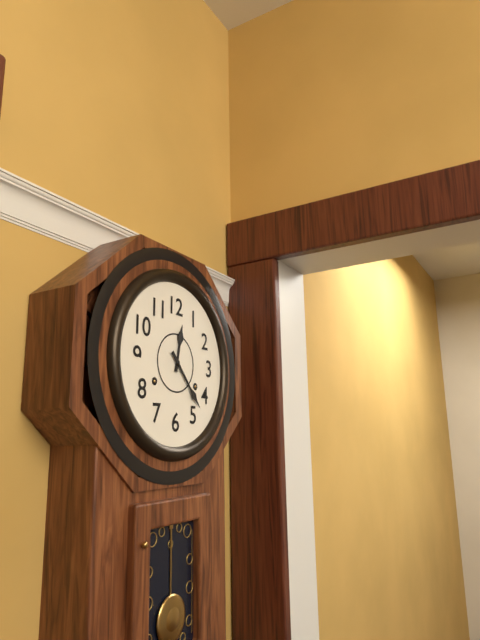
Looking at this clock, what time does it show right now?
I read 12:23
